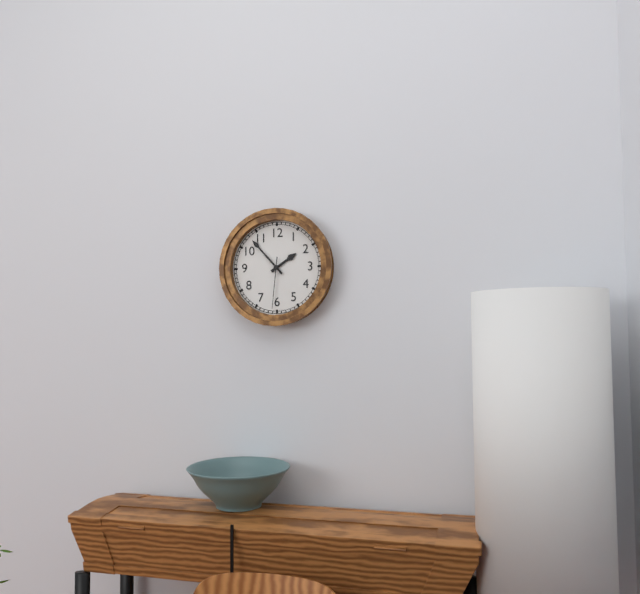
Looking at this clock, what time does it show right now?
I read 1:53:31
